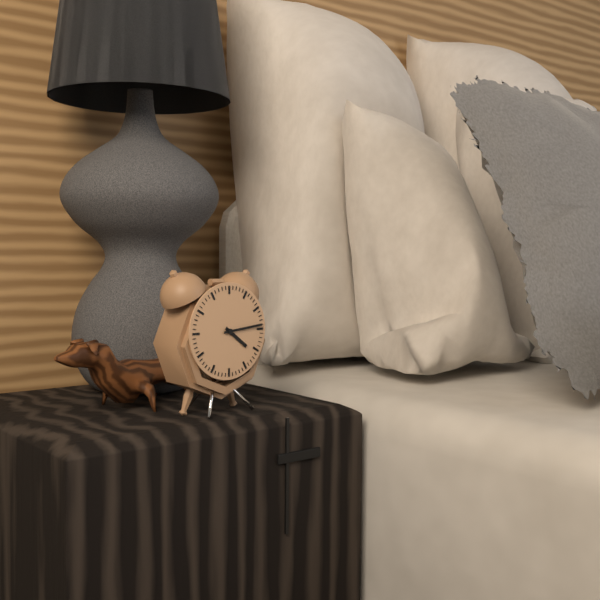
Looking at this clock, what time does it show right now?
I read 4:14
